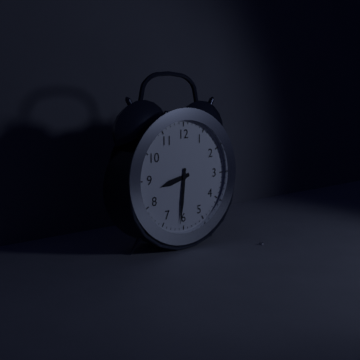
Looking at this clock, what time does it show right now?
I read 8:31
